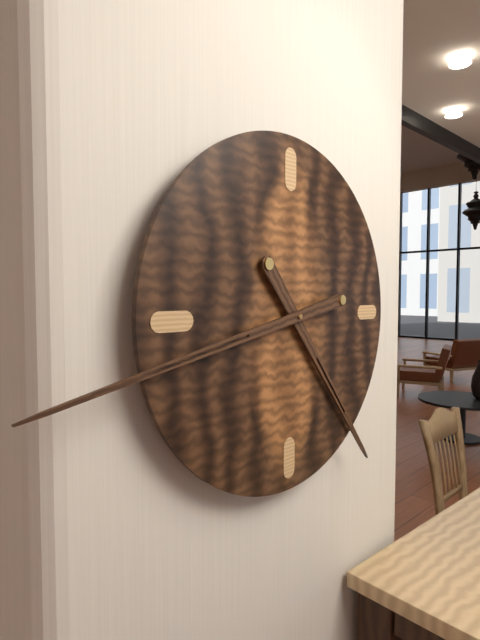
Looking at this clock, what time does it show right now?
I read 4:43
